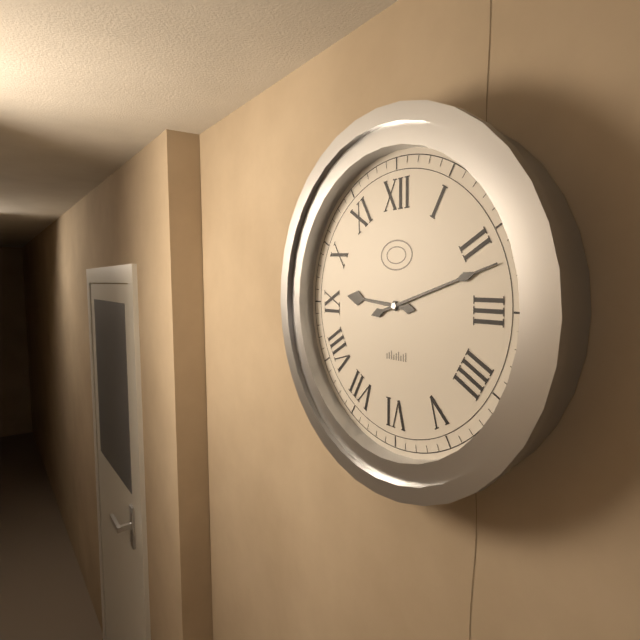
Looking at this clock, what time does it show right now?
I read 9:12
